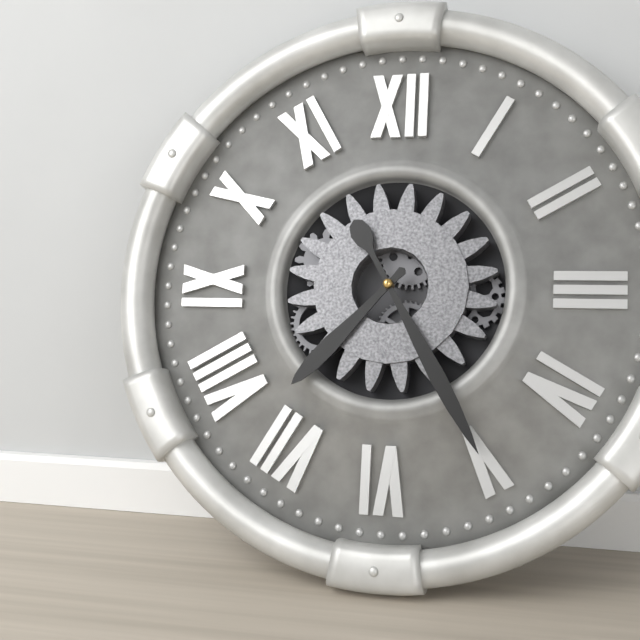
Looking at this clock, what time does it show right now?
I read 7:25
